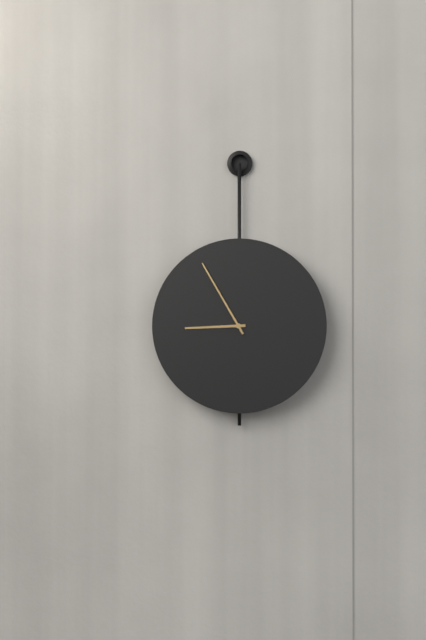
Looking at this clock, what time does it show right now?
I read 8:55
